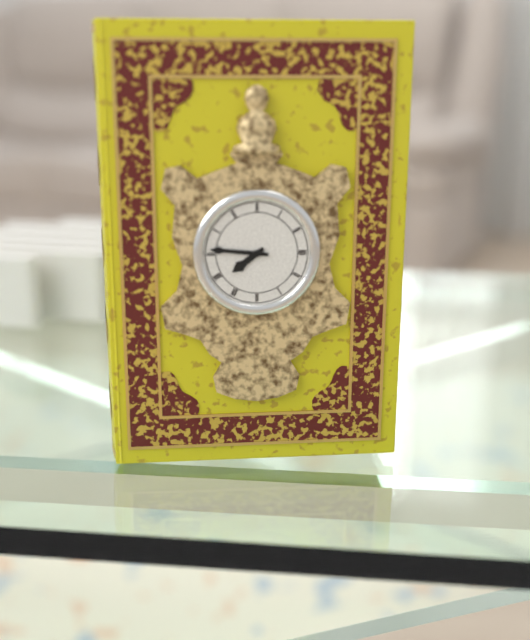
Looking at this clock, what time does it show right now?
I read 7:46
